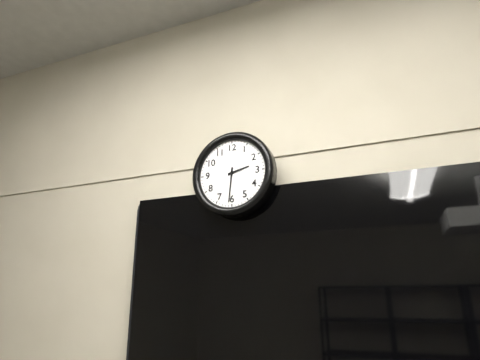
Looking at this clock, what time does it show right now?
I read 2:31
